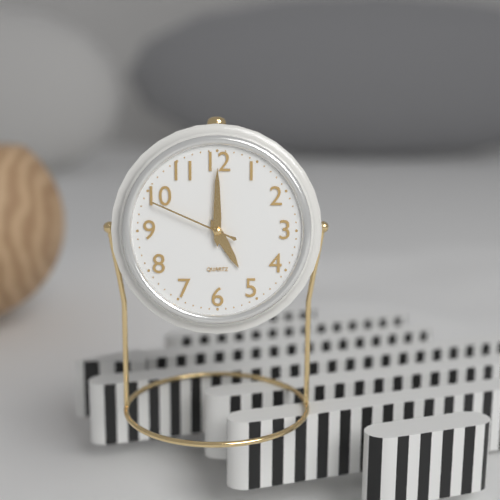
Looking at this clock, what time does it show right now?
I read 5:00:49
